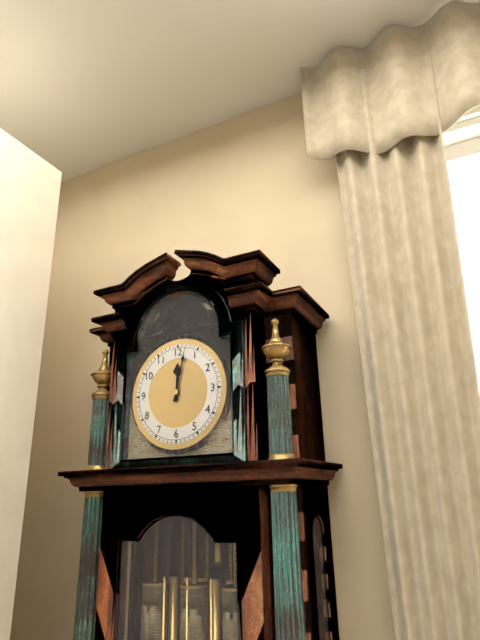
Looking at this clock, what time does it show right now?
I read 12:02
